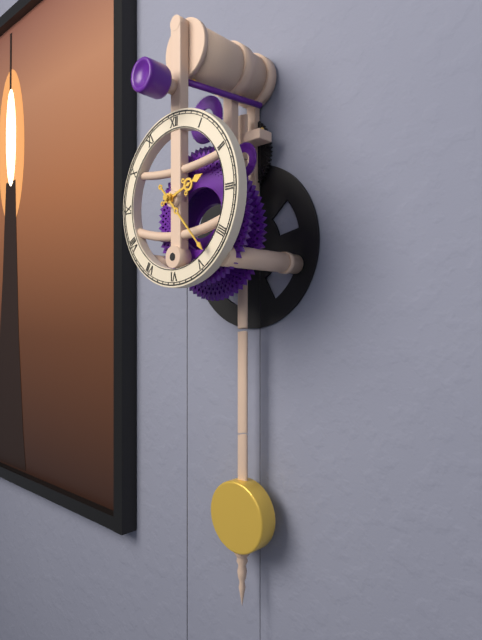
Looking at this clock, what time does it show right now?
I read 2:23
